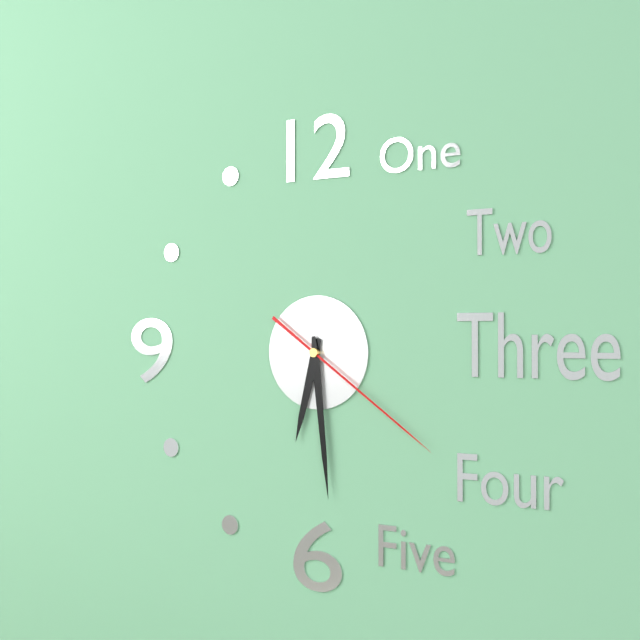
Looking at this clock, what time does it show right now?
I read 6:29:21
